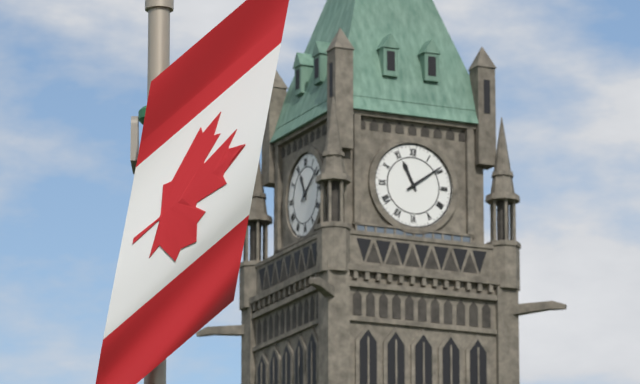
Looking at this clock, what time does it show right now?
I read 11:09
